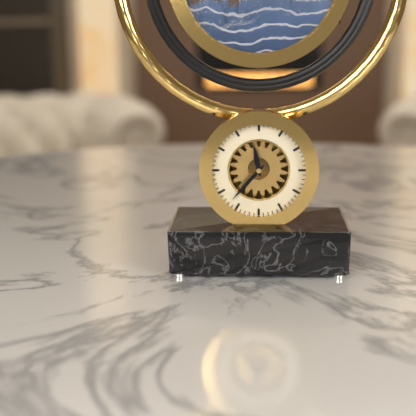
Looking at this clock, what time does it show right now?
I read 11:37
